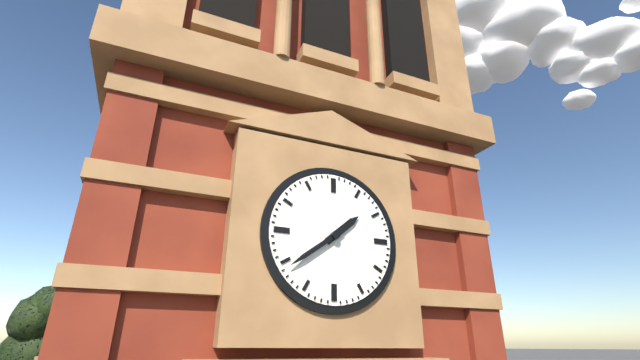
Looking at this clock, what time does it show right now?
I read 1:39
